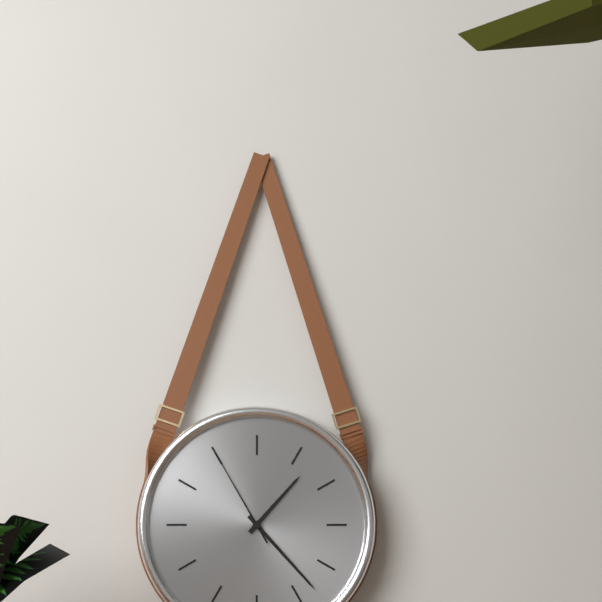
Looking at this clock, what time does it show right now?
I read 1:23:55
